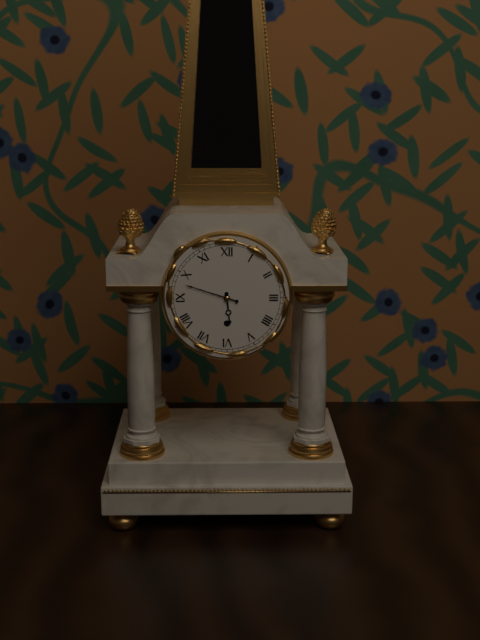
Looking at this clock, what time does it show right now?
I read 5:48
